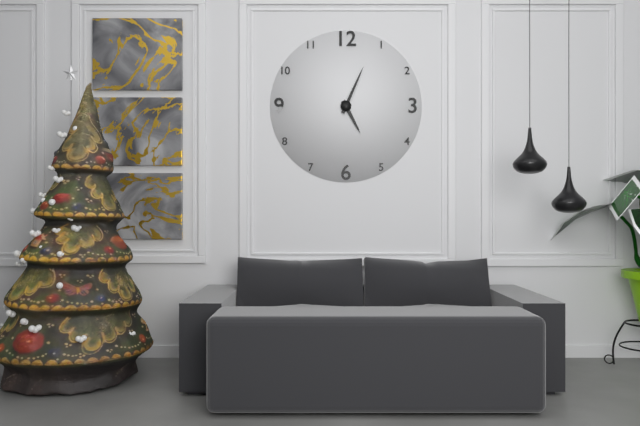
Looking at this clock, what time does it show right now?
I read 5:04
